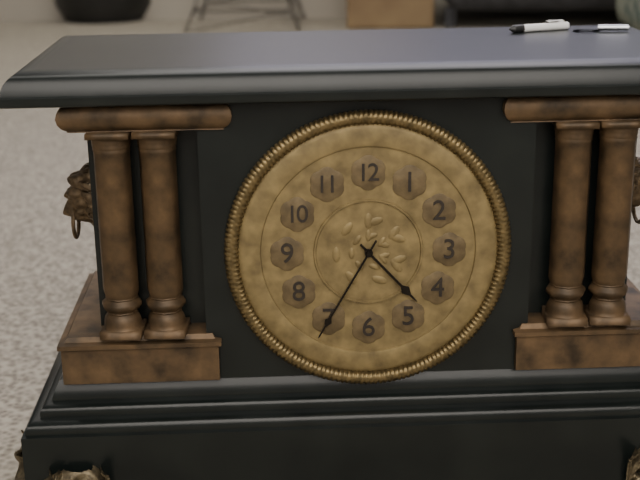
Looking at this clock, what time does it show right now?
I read 4:35
